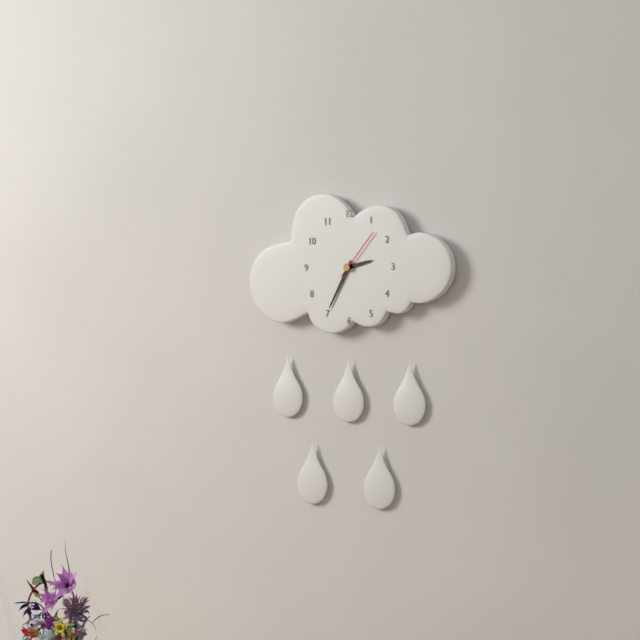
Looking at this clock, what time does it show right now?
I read 2:35:07
